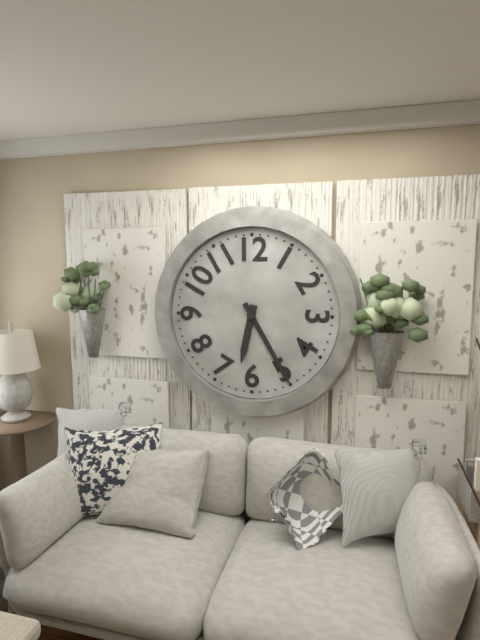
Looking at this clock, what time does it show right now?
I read 6:25
